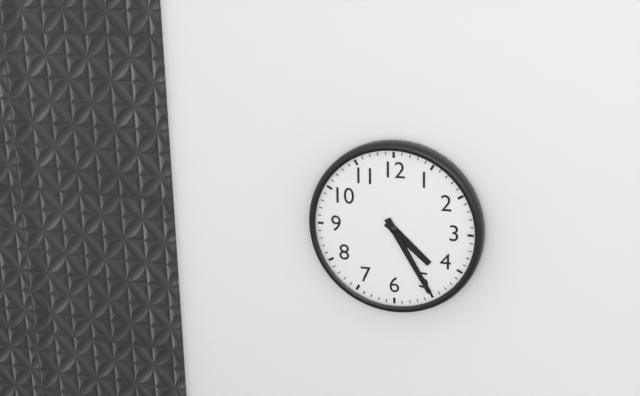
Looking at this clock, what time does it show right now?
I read 4:25
